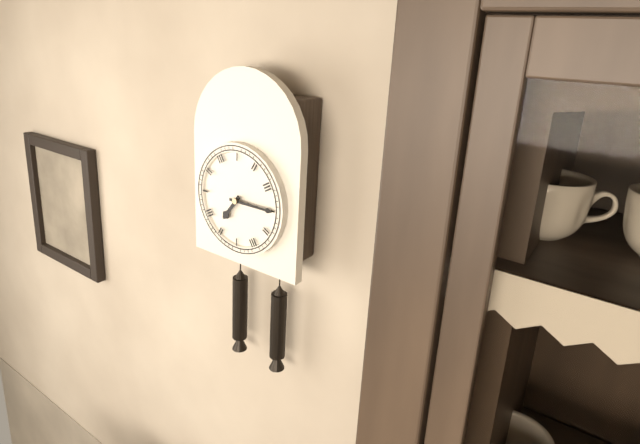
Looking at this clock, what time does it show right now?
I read 7:15
